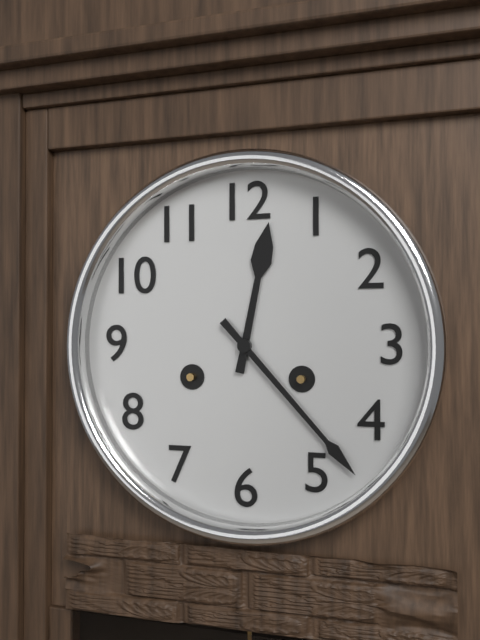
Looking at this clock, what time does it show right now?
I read 12:23
